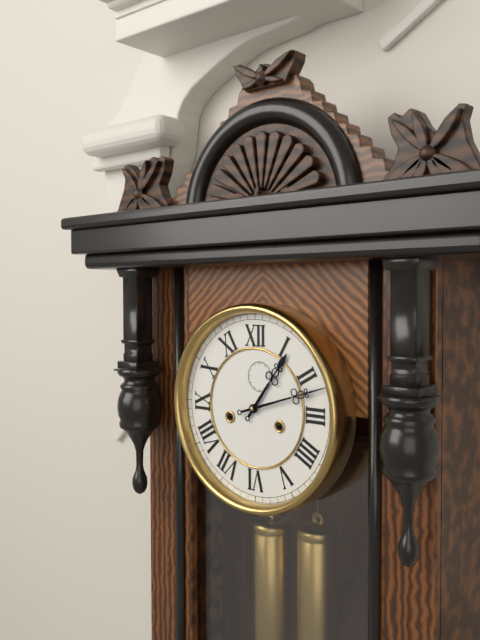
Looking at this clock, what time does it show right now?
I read 1:12
